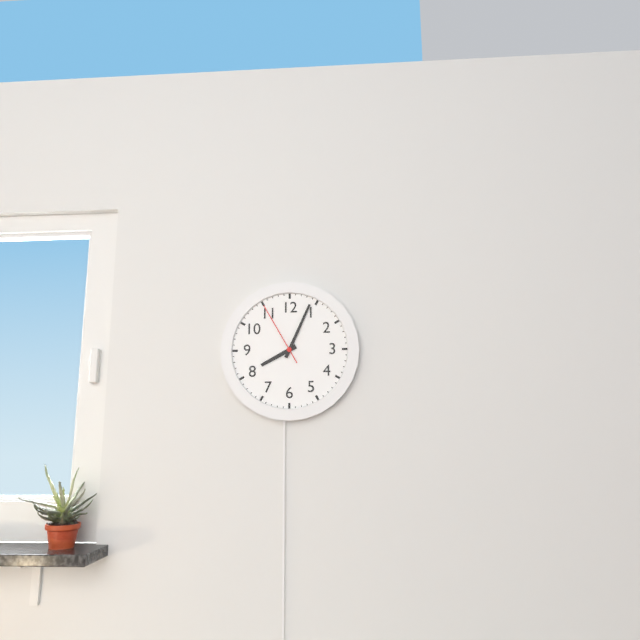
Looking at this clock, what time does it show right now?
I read 8:04:55
